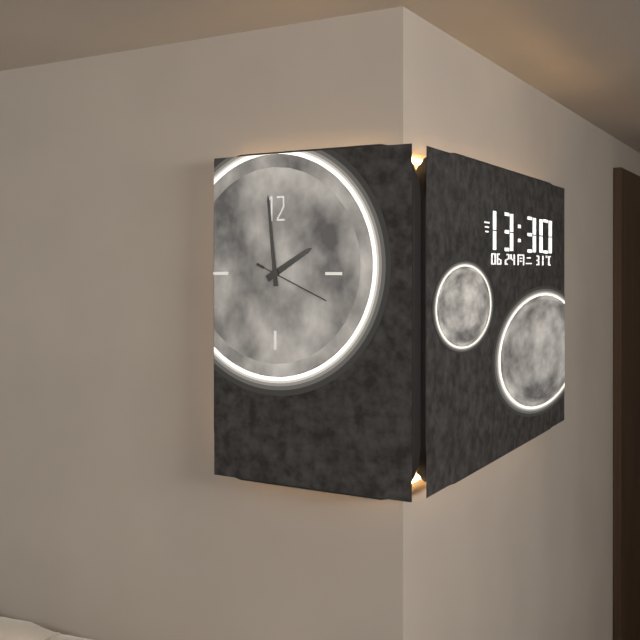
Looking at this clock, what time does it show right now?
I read 1:59:19
